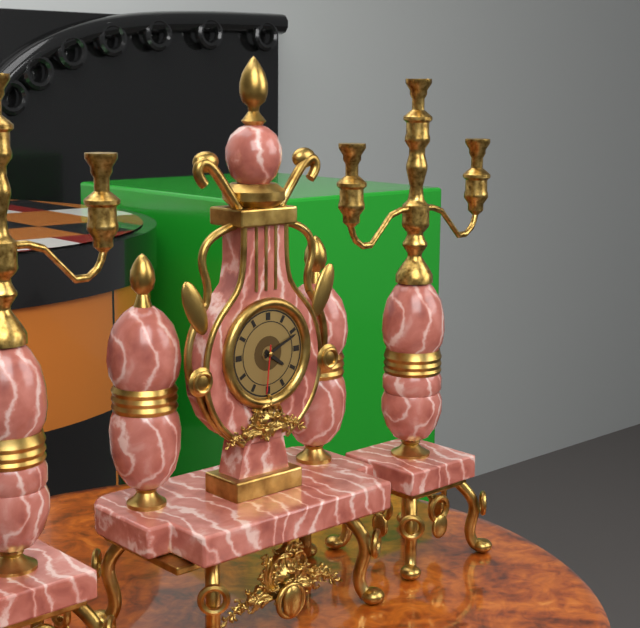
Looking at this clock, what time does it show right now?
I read 4:11:31
